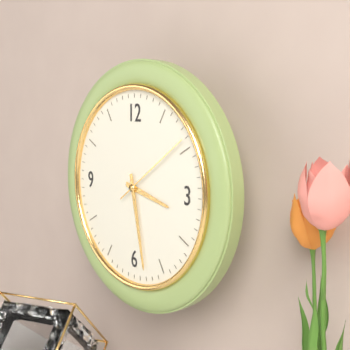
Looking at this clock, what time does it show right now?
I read 3:28:09
